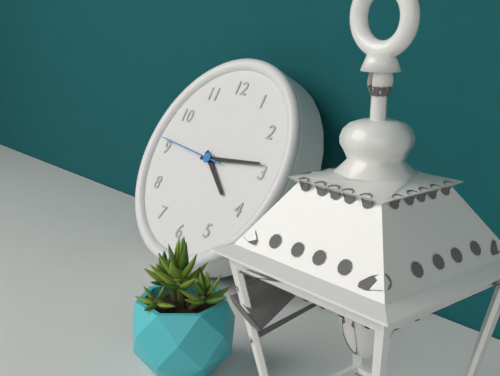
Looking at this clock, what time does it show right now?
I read 4:14:46
